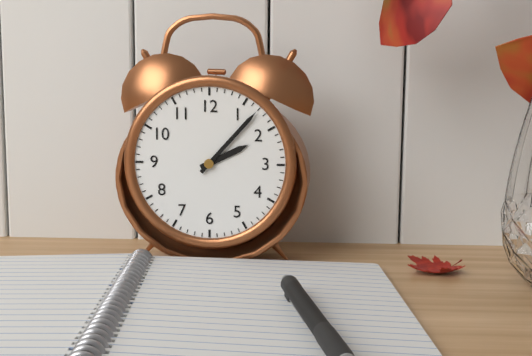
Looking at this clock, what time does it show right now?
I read 2:07
